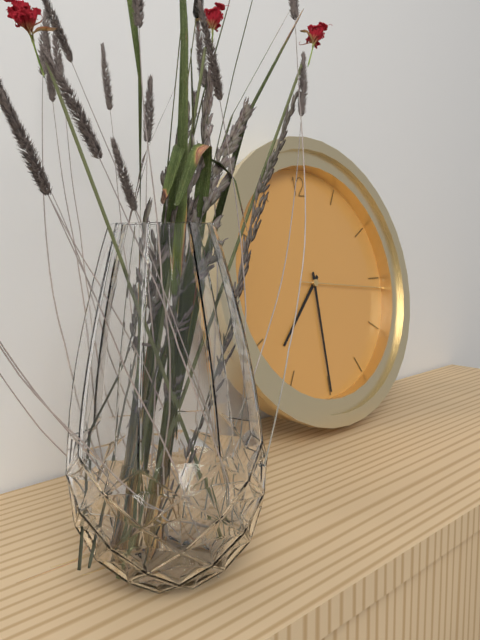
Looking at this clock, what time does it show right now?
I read 7:30:16
